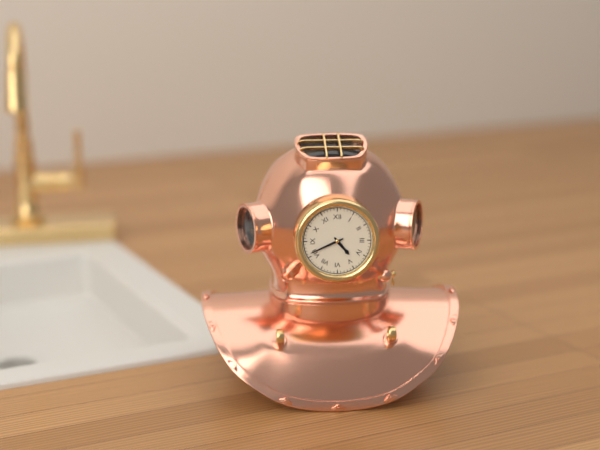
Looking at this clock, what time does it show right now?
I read 4:41
